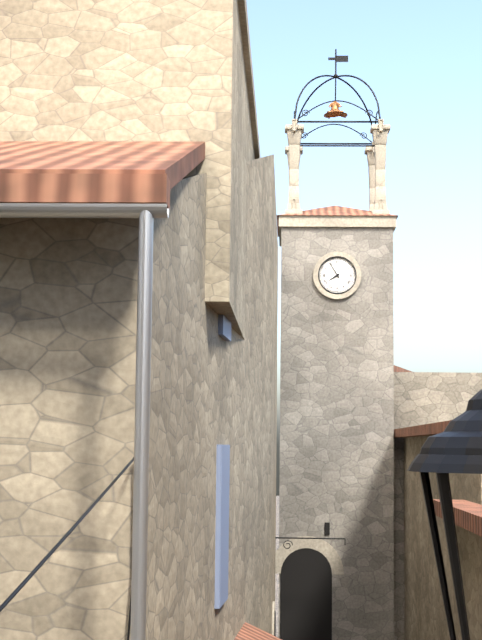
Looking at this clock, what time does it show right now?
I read 7:55
